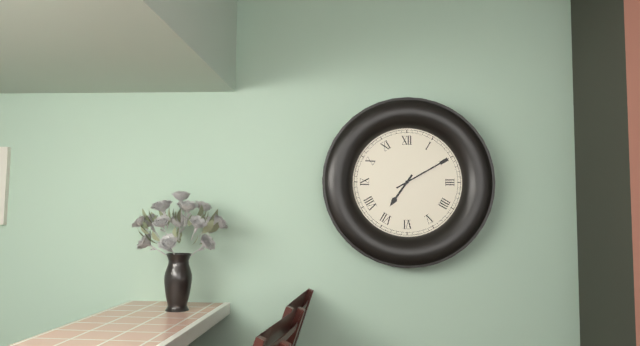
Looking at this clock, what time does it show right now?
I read 7:10
